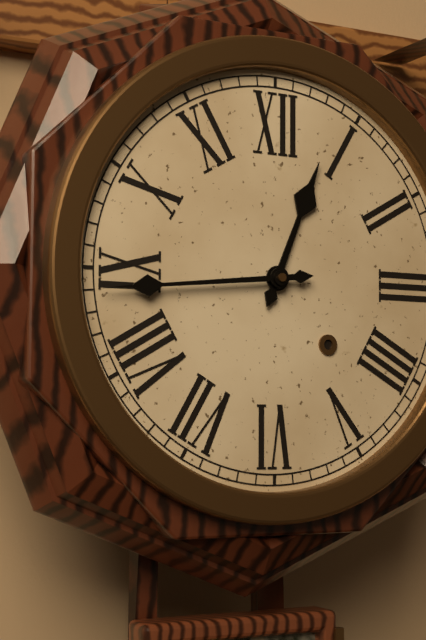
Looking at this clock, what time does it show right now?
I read 12:44
